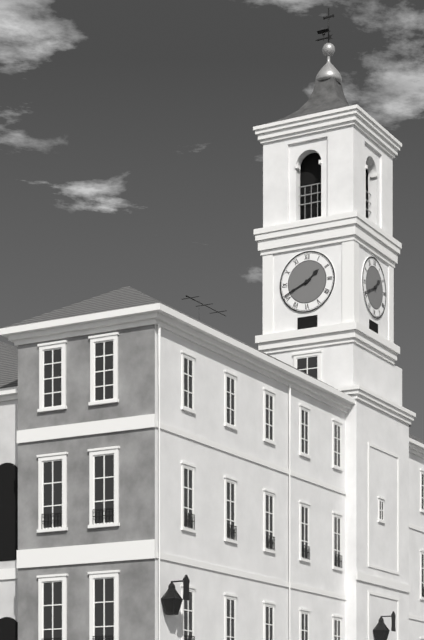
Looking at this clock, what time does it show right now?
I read 1:41
